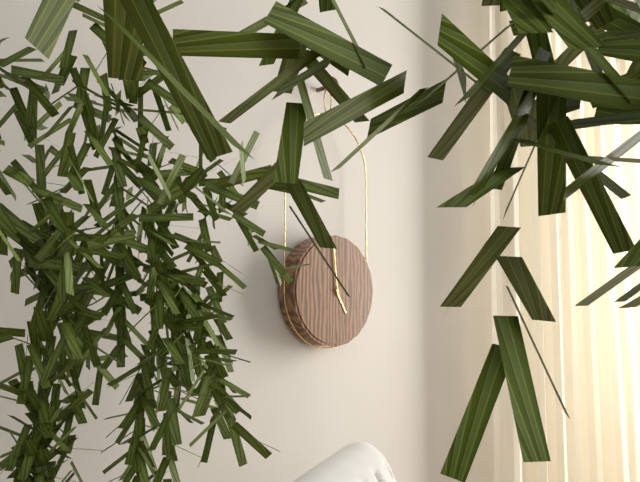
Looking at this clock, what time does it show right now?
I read 4:59
